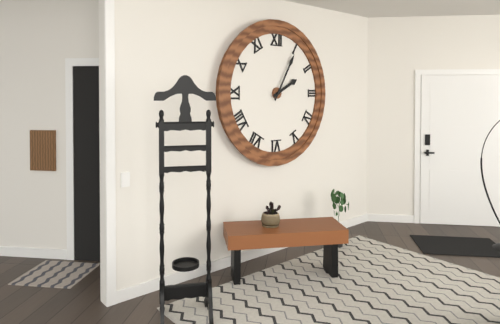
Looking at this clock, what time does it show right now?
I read 2:05
